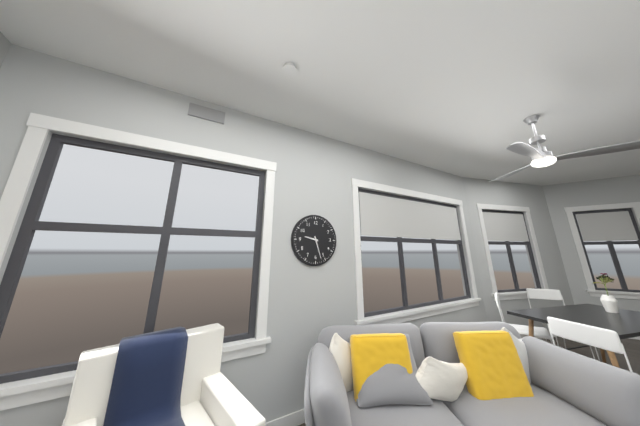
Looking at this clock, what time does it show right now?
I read 9:27
